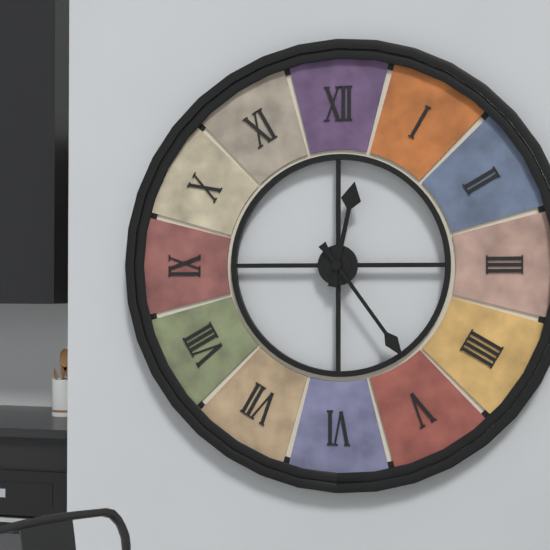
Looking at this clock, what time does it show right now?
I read 12:24
